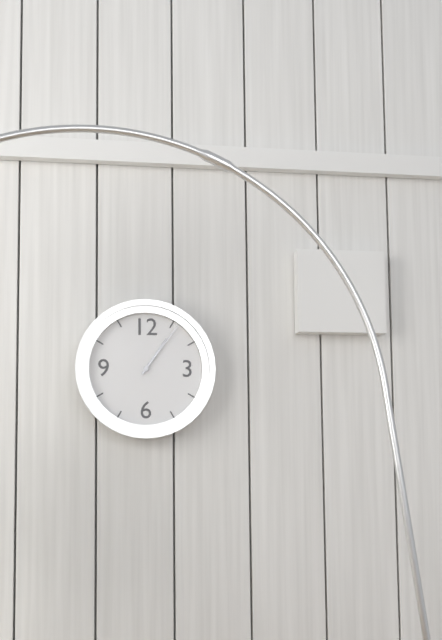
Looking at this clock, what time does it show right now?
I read 1:06
